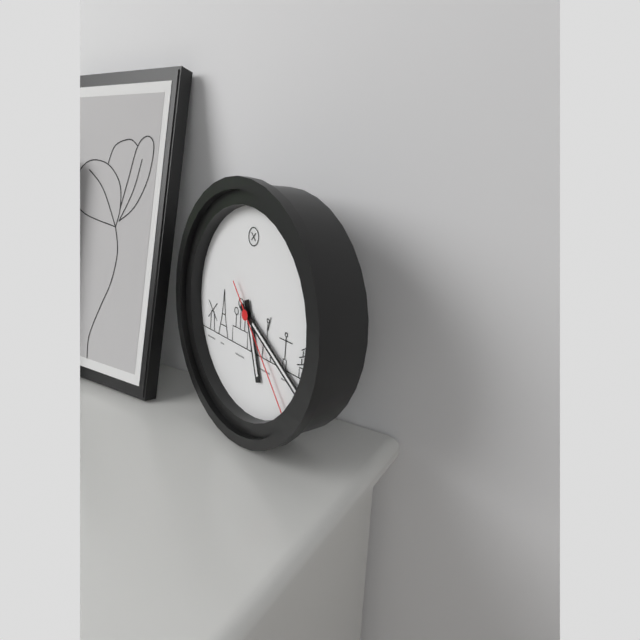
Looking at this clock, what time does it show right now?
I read 5:20:23
